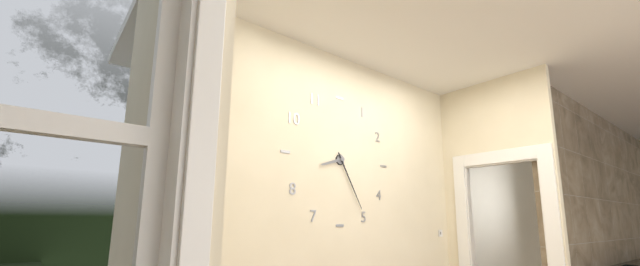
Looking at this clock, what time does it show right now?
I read 8:25
